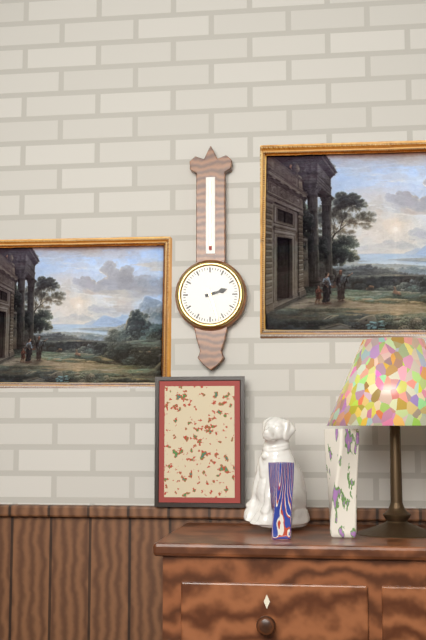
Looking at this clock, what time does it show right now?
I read 2:27
